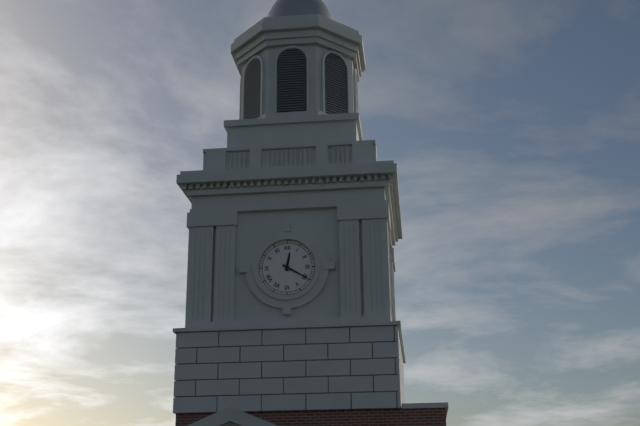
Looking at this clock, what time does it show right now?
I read 12:20
